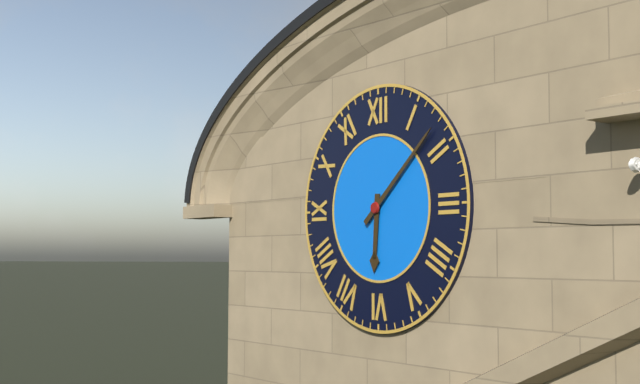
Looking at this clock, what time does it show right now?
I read 6:08
